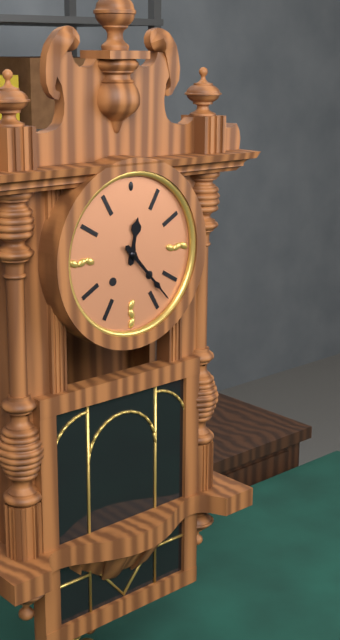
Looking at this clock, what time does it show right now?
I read 12:23
